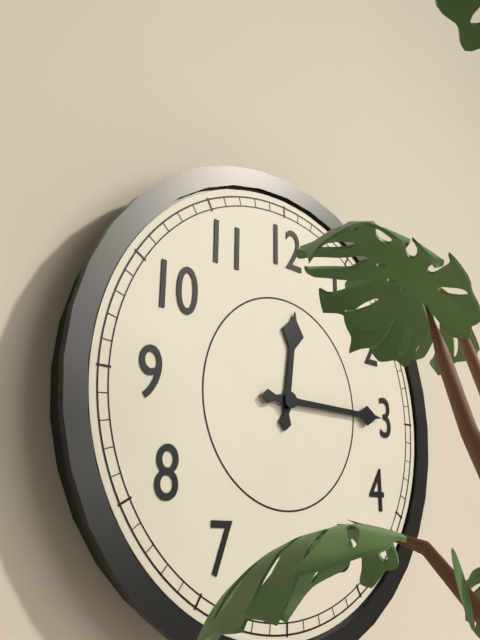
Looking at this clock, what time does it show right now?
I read 12:15
